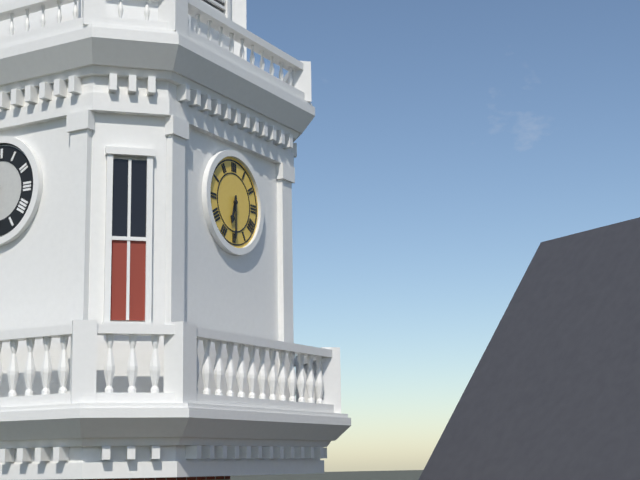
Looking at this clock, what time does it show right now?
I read 6:30
